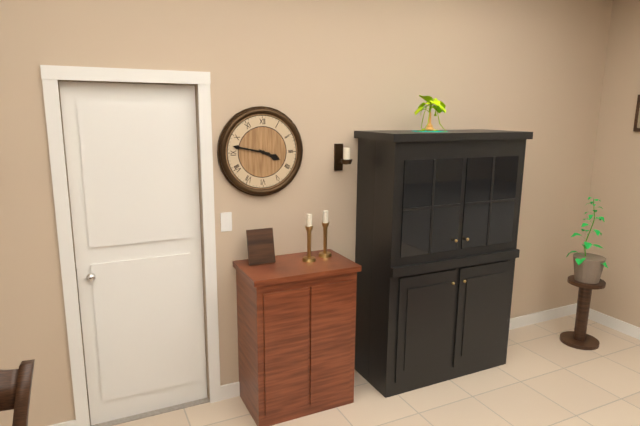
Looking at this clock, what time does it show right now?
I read 3:47
